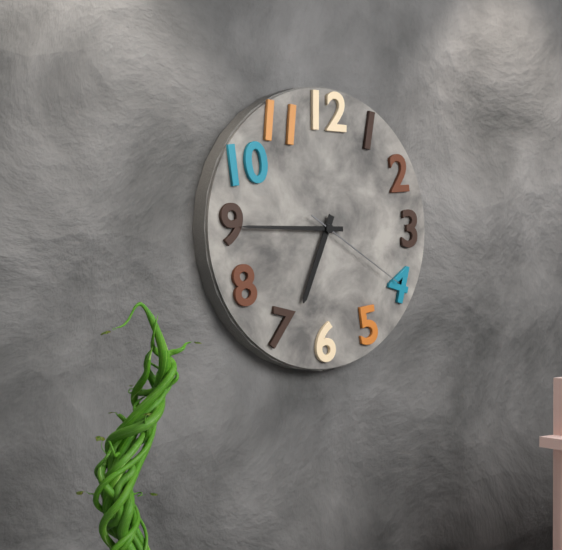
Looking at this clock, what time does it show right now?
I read 6:45:20
